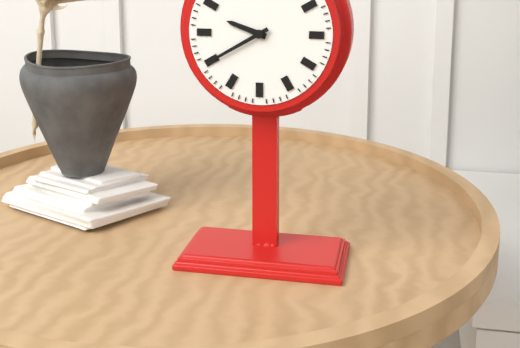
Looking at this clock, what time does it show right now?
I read 9:40
